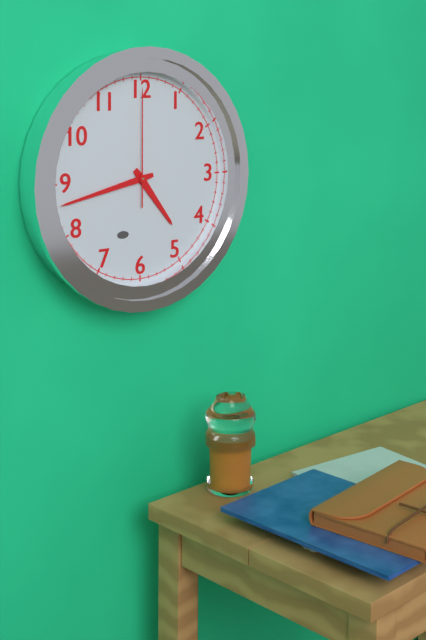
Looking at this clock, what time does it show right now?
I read 4:43:00
